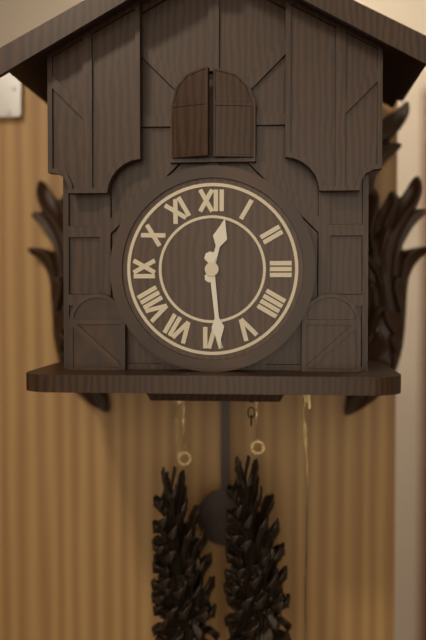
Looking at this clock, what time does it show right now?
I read 12:29
